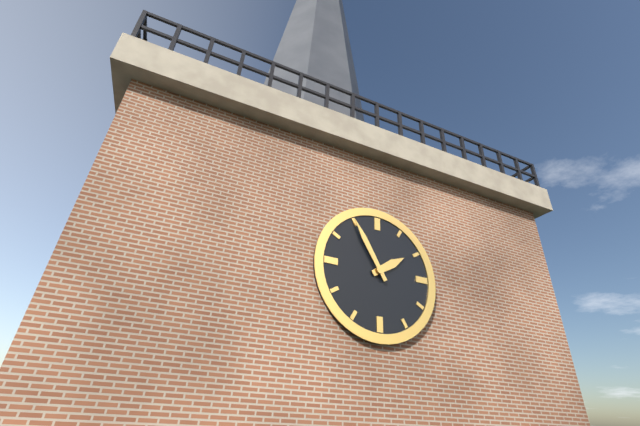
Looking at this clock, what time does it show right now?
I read 1:55
